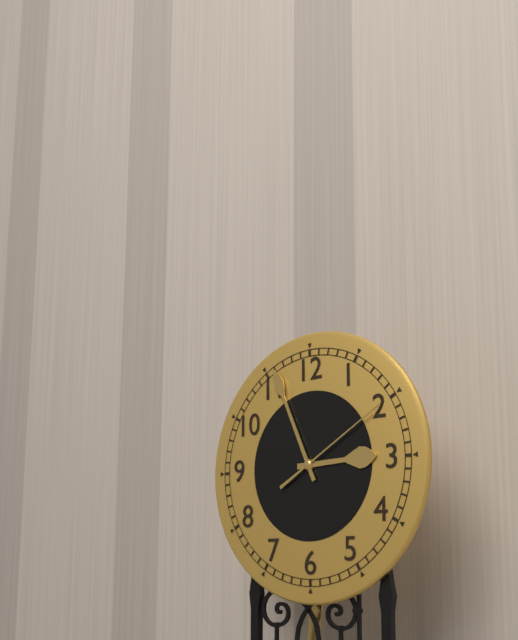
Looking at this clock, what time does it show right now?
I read 2:56:10
